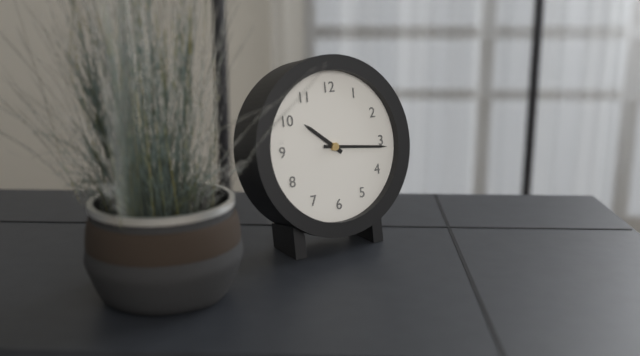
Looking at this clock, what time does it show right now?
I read 10:16
